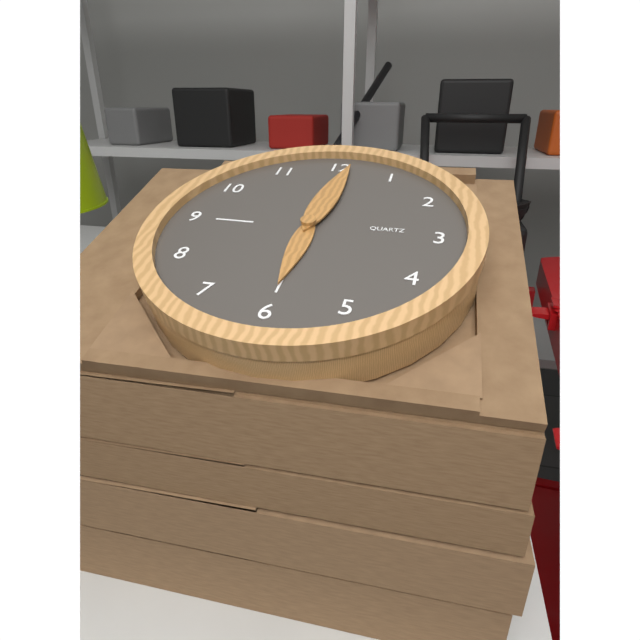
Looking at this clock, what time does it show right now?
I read 6:01
